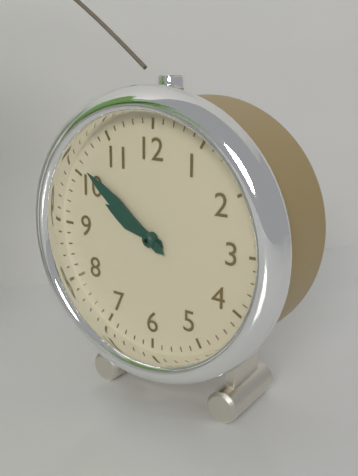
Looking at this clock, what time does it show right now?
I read 9:51
